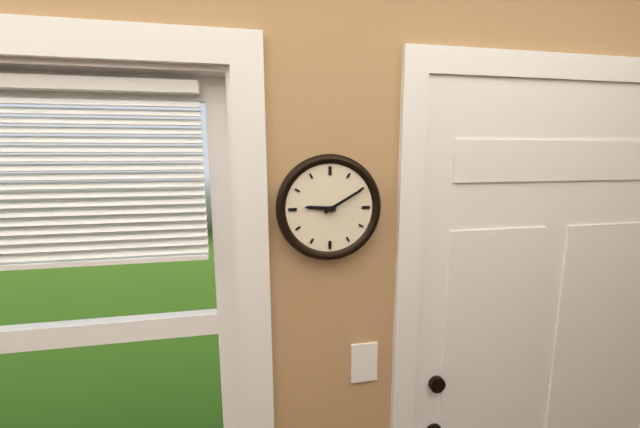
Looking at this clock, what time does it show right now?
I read 9:10
